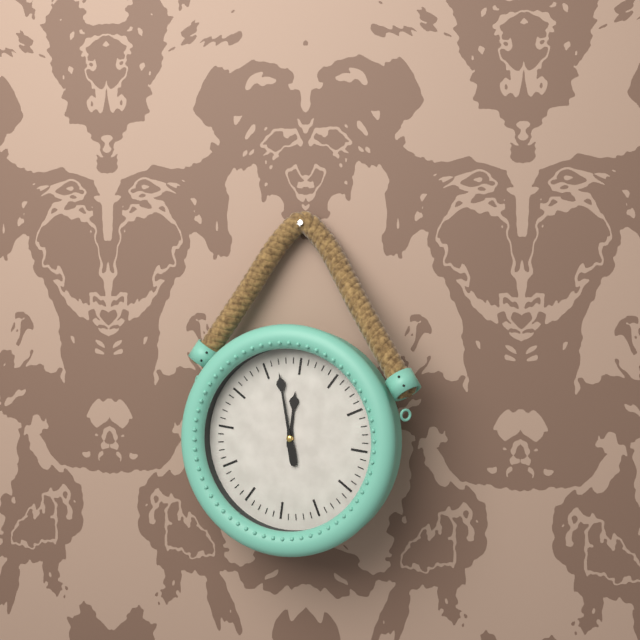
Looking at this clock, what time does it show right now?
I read 11:57
